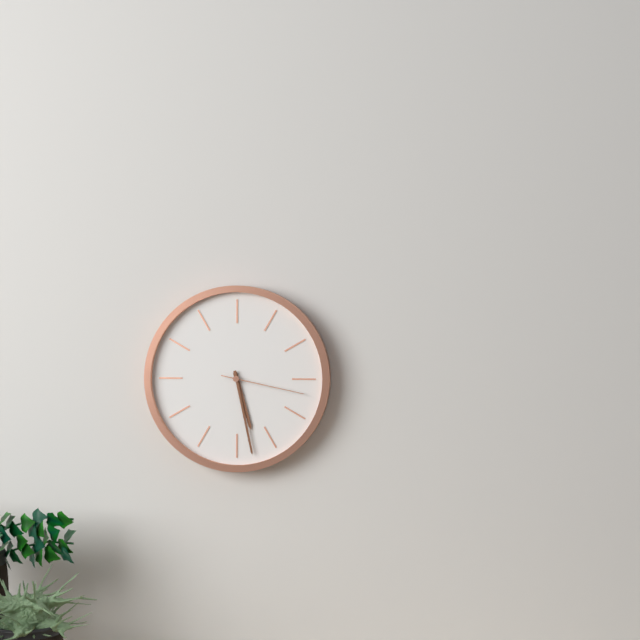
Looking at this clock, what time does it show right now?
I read 5:28:17
